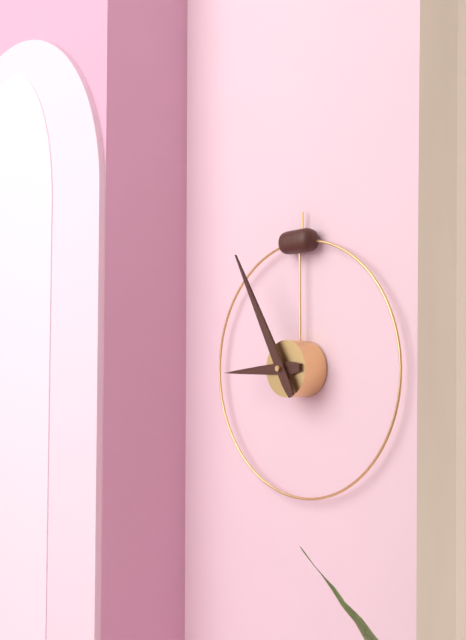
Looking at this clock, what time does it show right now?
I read 8:55
